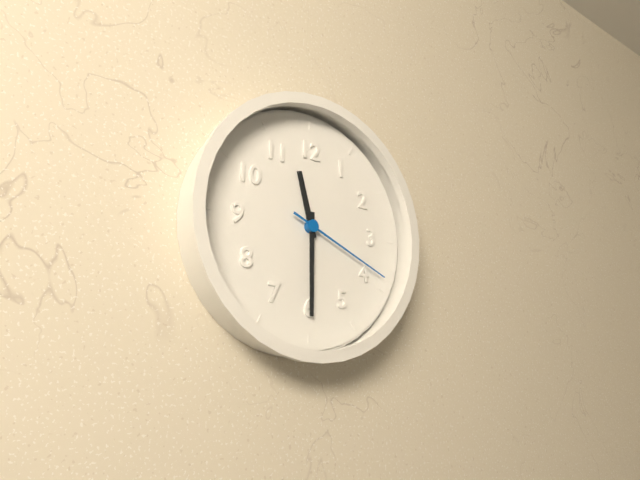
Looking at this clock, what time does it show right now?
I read 11:30:19
